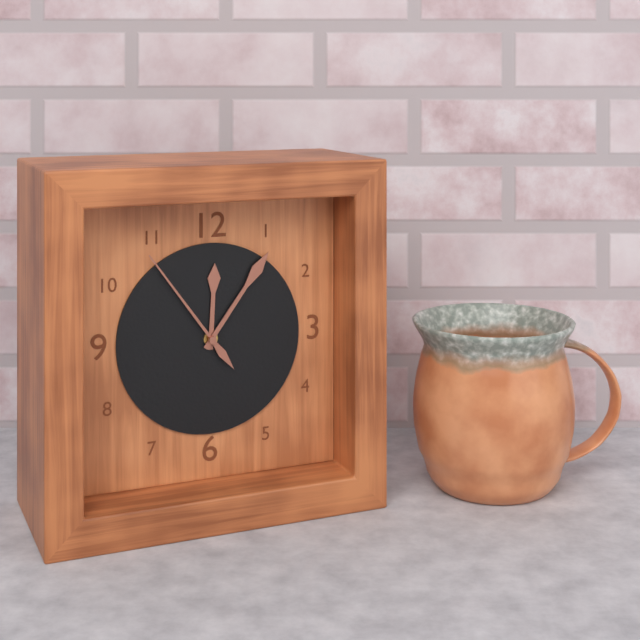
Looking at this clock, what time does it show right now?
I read 12:06:54
